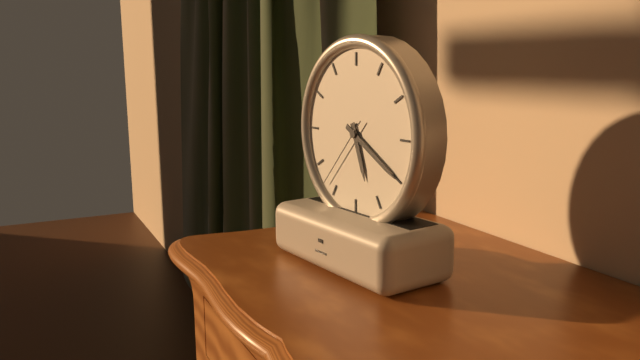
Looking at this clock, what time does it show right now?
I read 5:20:37
